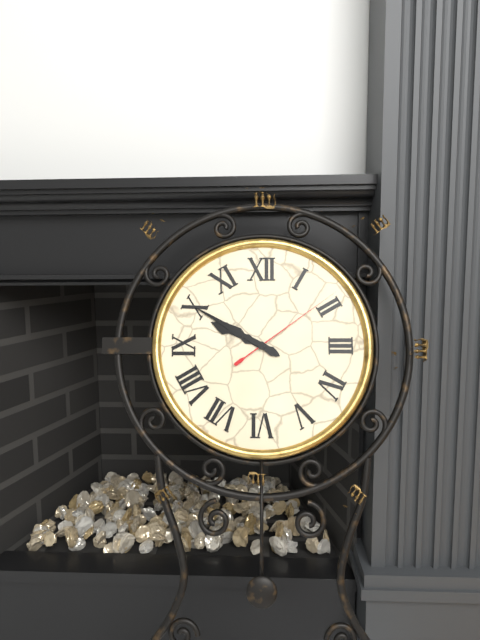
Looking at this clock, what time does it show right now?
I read 9:50:09
